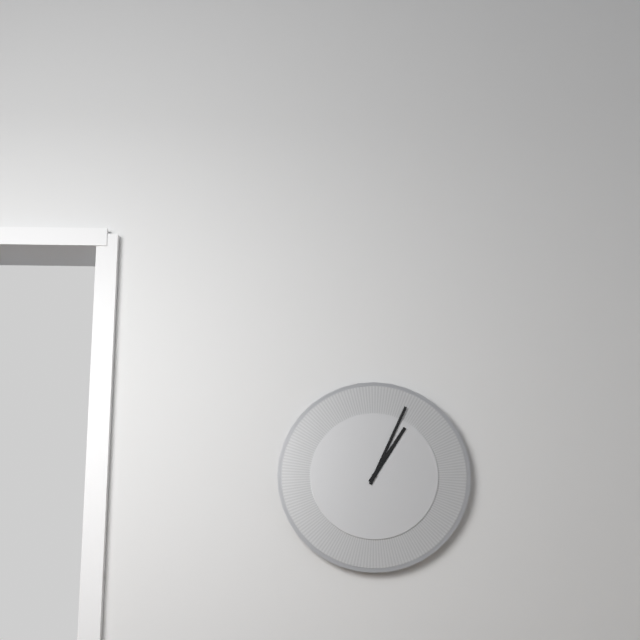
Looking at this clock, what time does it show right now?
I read 1:04
